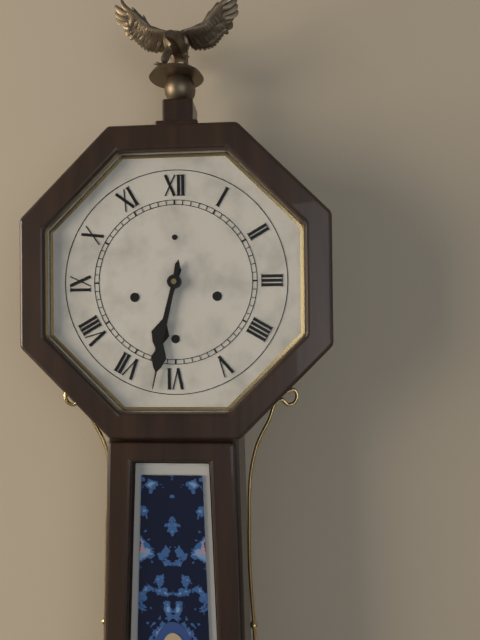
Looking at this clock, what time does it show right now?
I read 6:32
